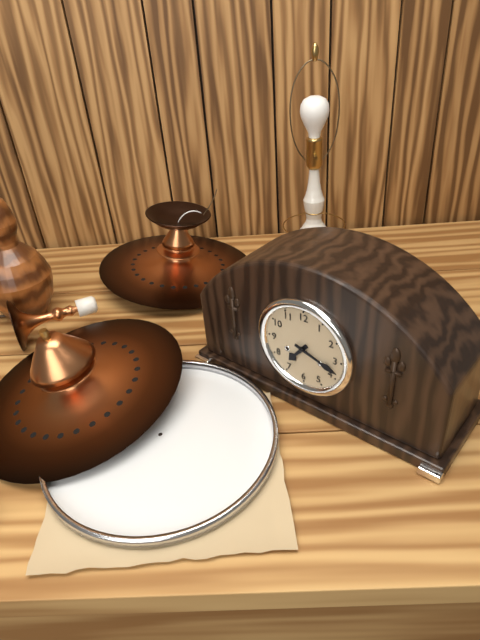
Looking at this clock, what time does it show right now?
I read 7:18
